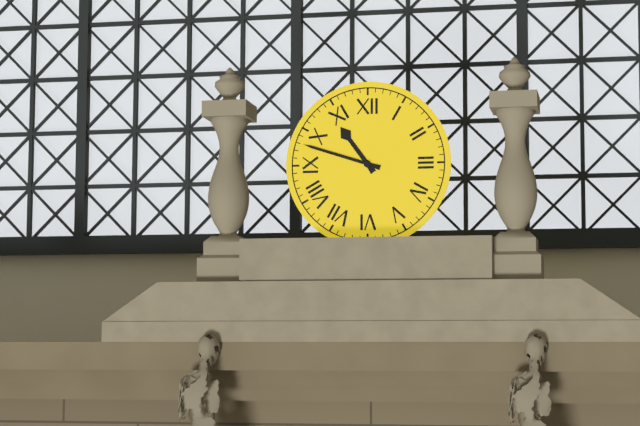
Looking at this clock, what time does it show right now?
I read 10:48
